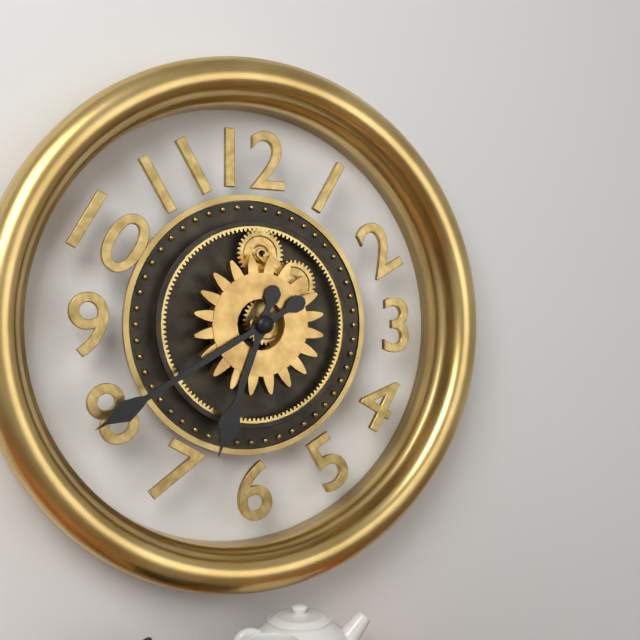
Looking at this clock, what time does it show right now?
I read 6:40
